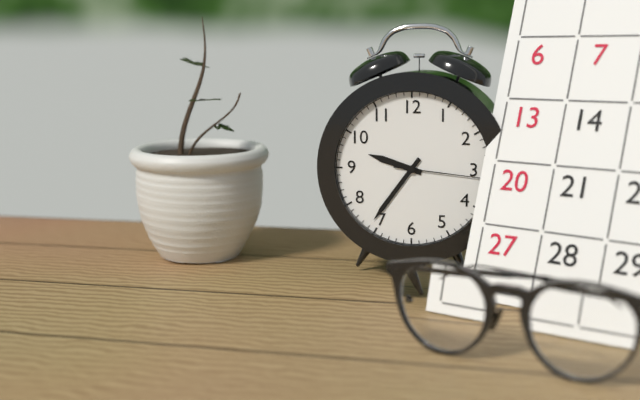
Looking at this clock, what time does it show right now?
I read 9:36:16
